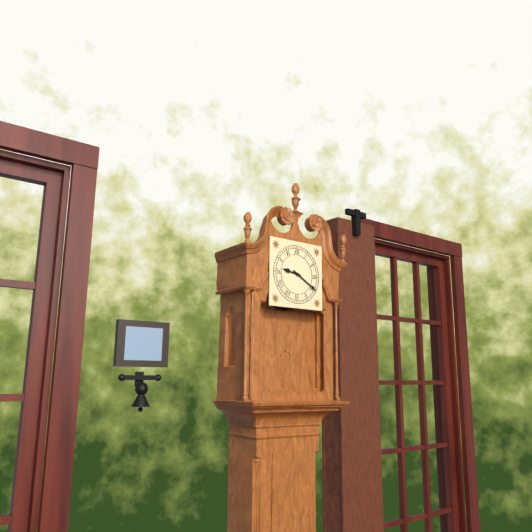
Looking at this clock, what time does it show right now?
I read 9:20
